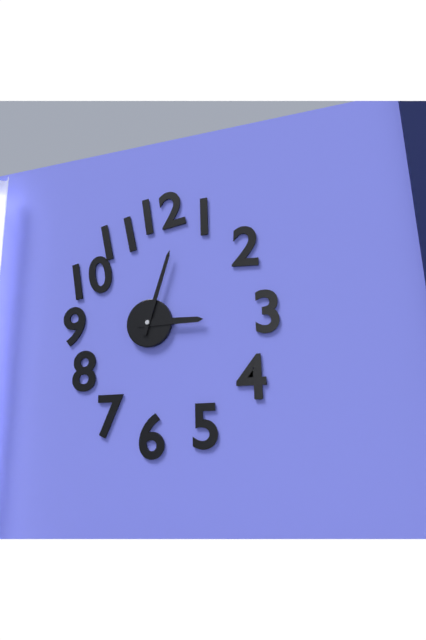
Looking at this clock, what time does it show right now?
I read 3:03
